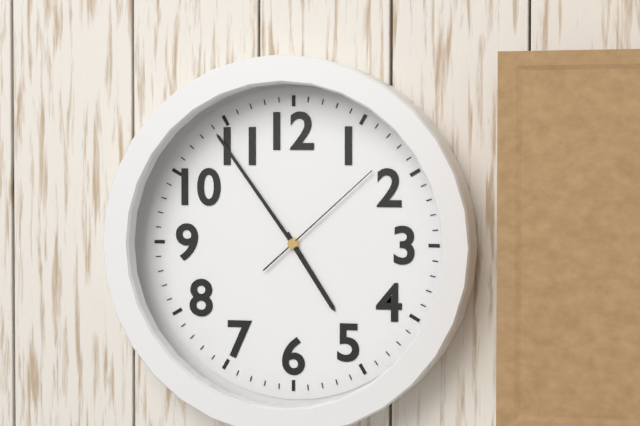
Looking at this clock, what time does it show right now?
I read 4:54:08
